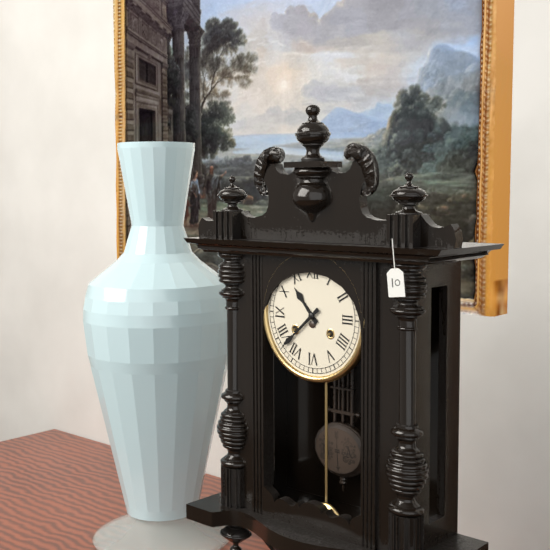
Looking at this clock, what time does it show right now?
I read 10:38
